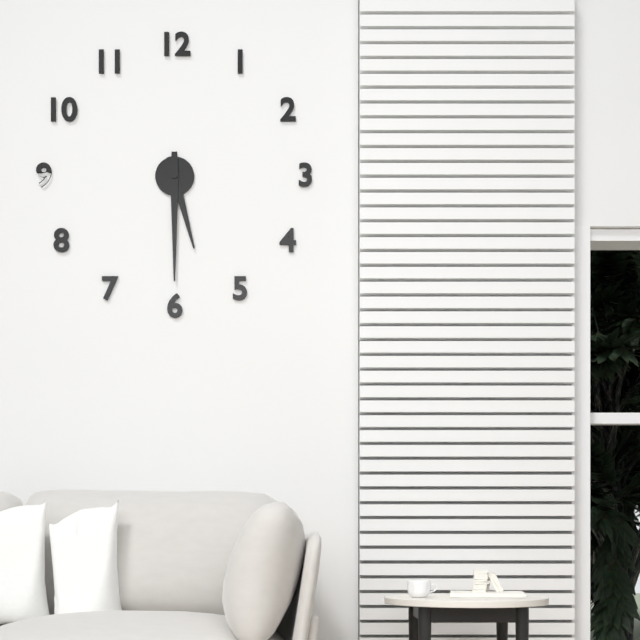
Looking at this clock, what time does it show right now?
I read 5:30
